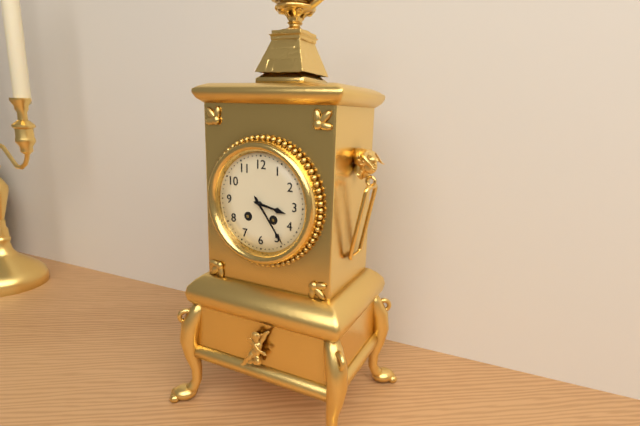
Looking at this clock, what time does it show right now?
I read 3:24
